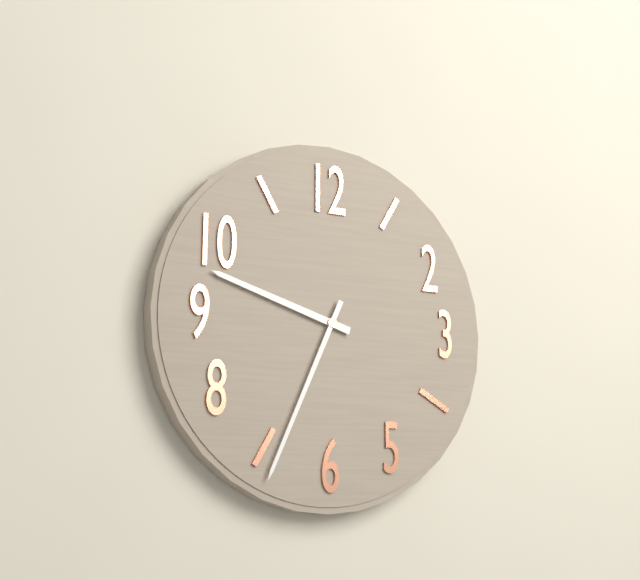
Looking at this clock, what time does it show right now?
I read 9:34
